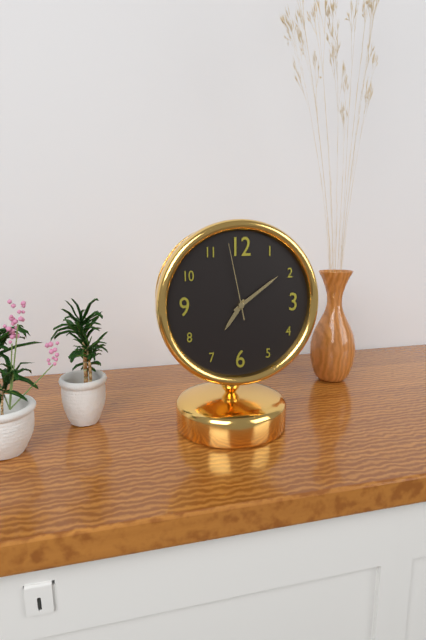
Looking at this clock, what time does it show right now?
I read 7:09:58
